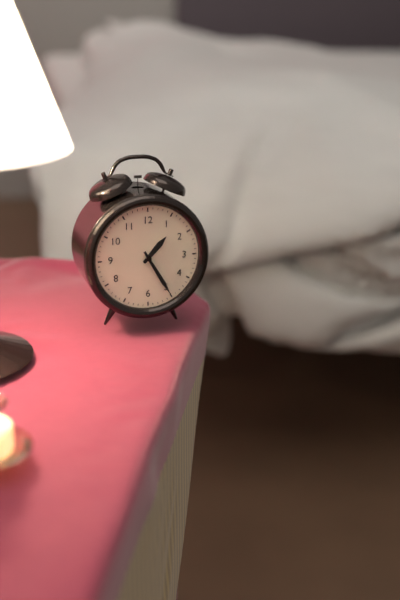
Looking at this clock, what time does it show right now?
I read 1:25
